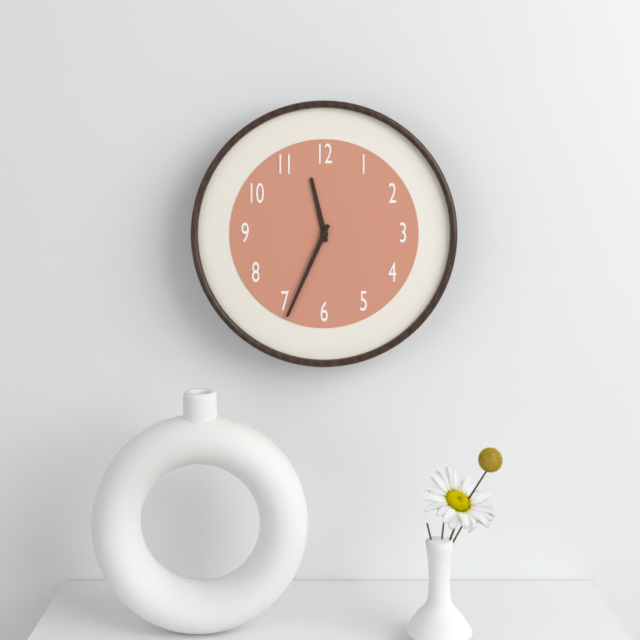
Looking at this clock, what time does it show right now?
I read 11:34
